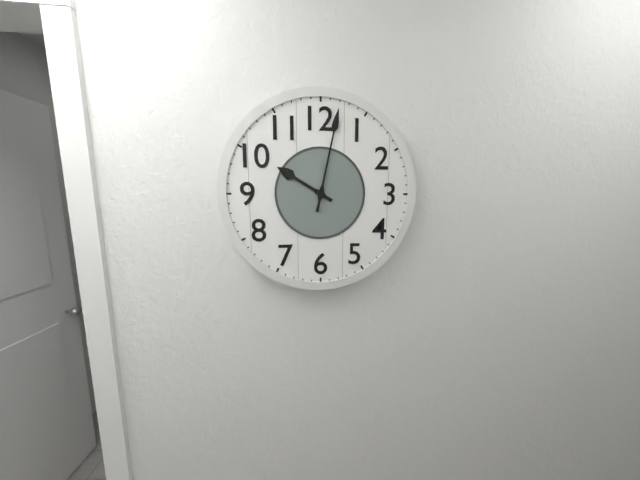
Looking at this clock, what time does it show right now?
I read 10:02
